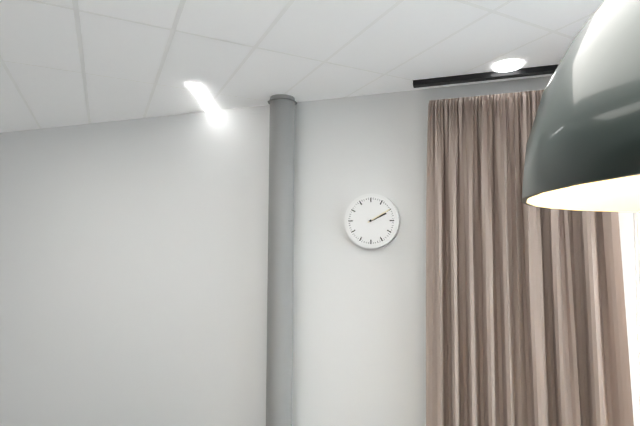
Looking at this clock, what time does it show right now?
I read 2:10
